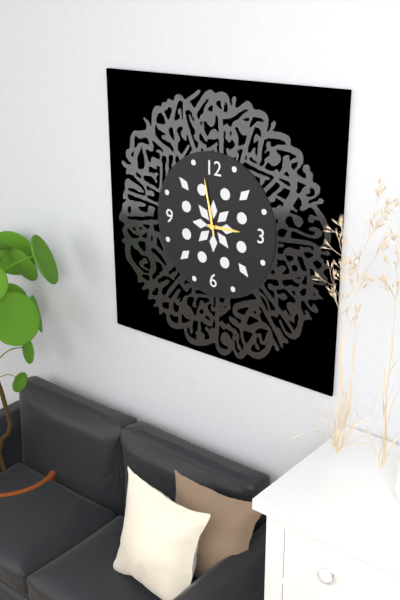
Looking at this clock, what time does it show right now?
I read 2:58
